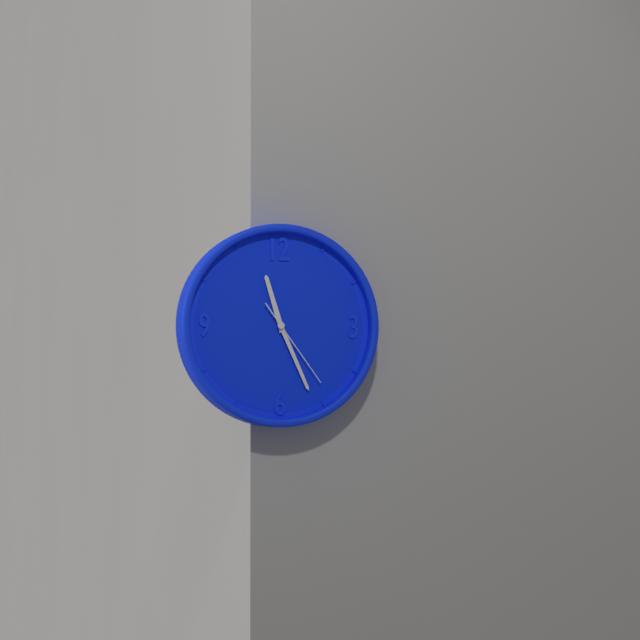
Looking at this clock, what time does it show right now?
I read 11:26:24
